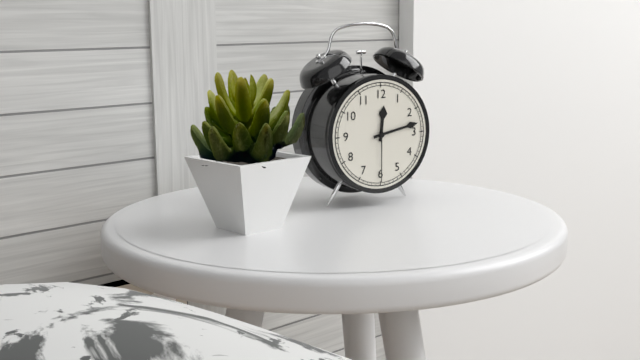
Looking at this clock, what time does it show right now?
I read 12:13:30
